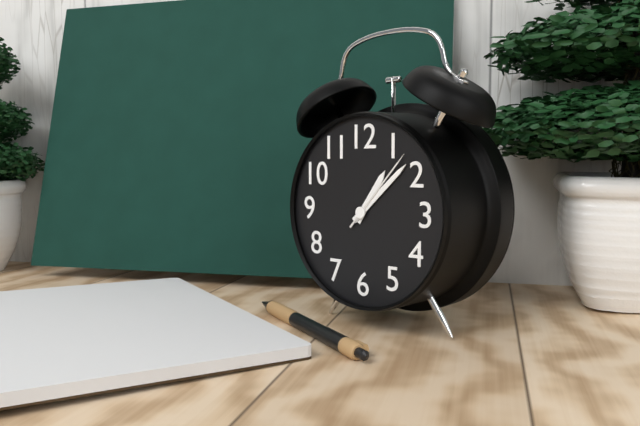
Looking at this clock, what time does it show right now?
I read 1:08:07
